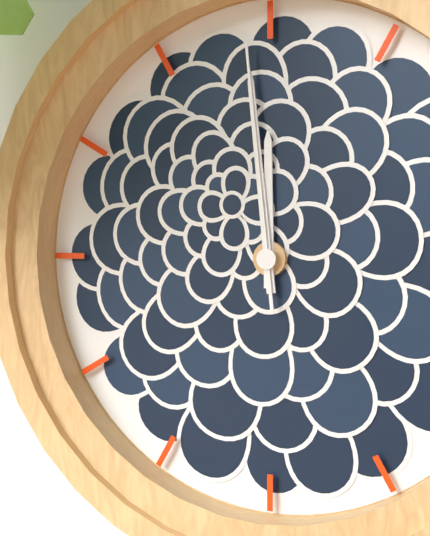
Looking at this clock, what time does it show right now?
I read 11:59:59
